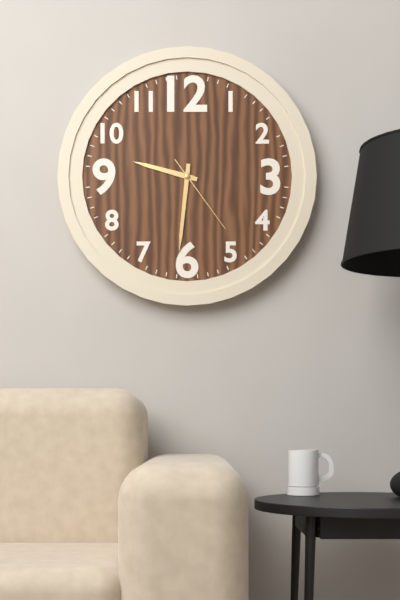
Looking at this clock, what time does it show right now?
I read 9:31:24
